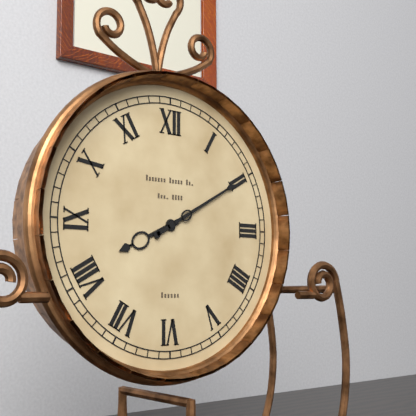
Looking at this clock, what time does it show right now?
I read 8:10
